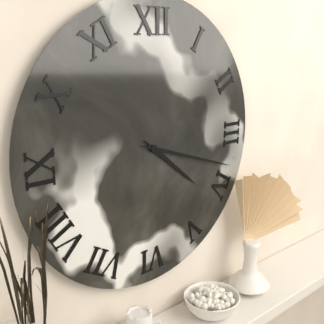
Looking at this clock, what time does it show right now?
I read 4:18
